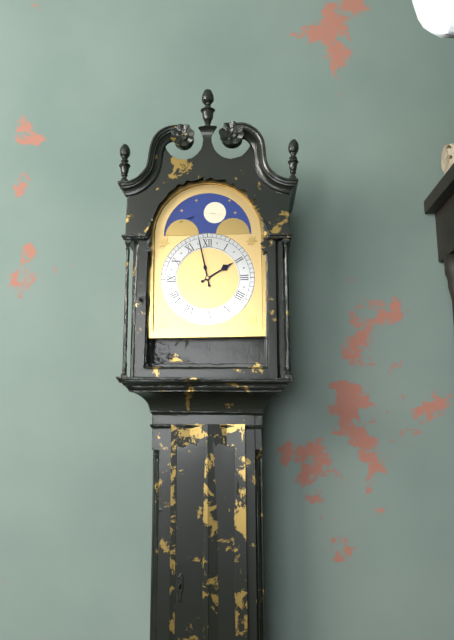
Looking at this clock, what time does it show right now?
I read 1:58
